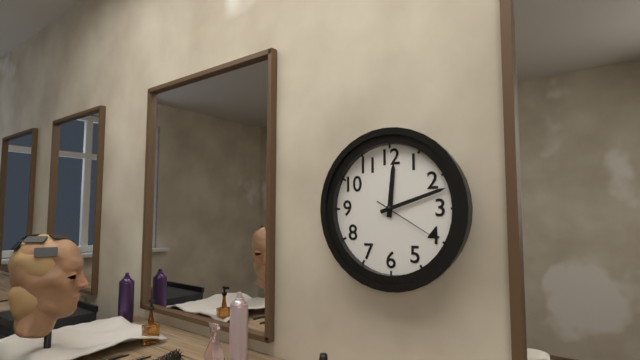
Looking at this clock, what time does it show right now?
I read 12:12:20
